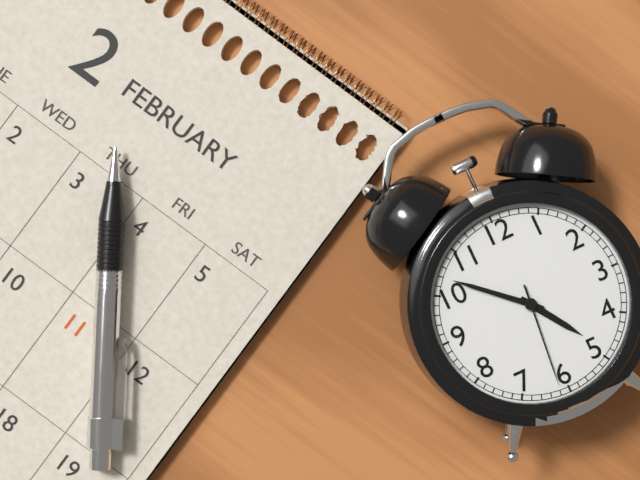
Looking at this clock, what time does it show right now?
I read 4:52:31
